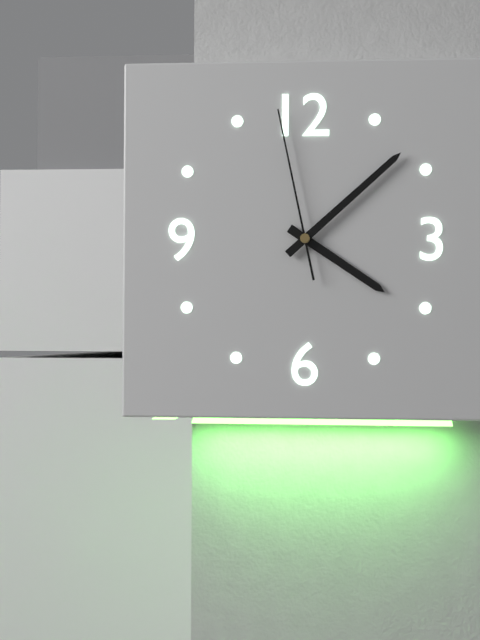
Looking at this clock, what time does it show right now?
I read 4:08:58
